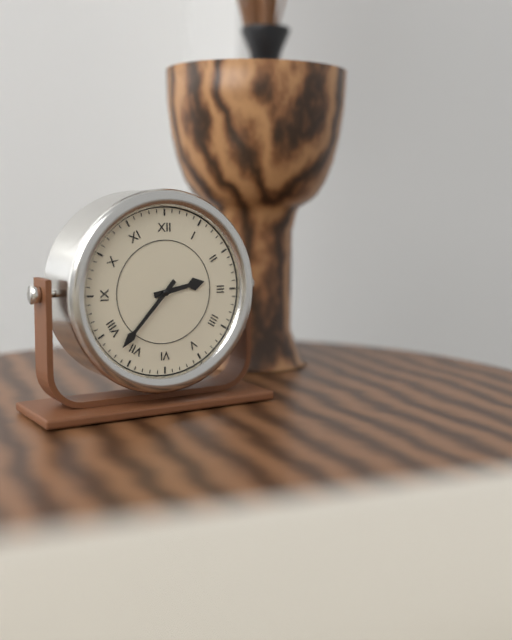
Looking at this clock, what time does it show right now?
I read 2:37
